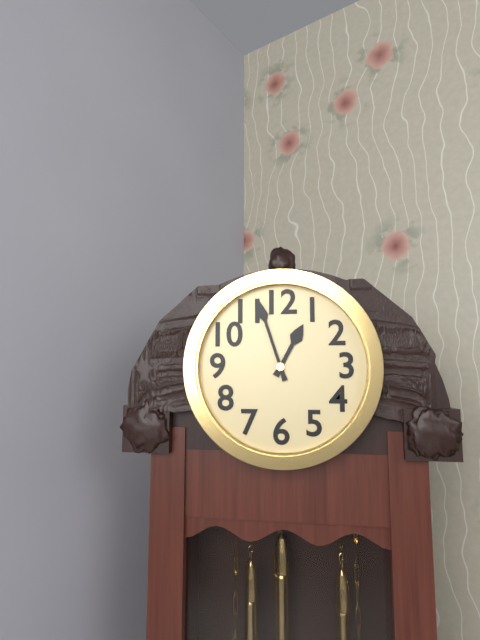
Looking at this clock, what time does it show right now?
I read 12:57
